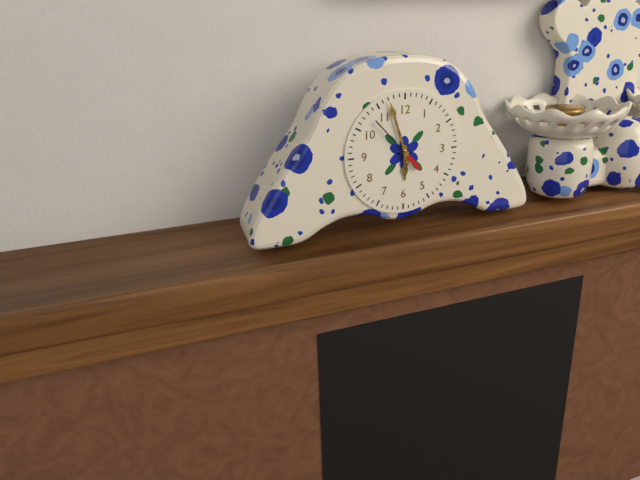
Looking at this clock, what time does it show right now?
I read 5:57
